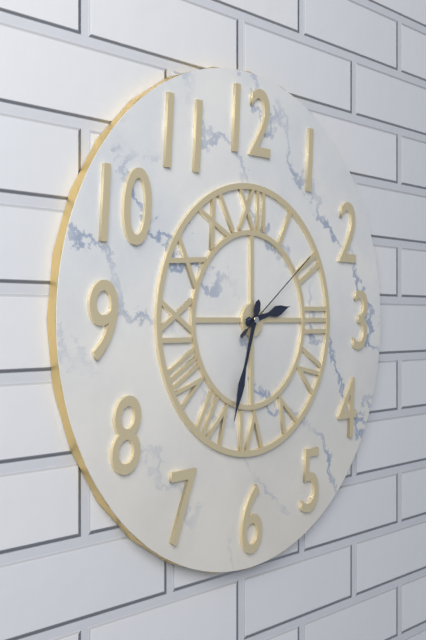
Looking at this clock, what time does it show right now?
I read 2:33:09
